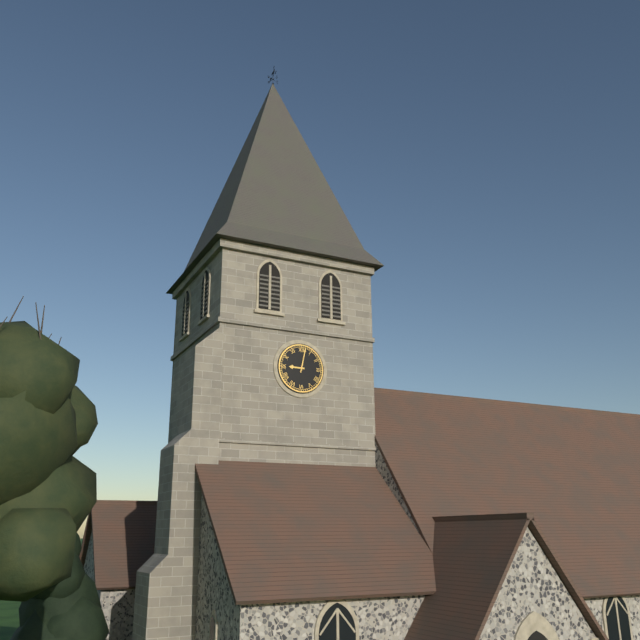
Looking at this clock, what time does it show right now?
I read 9:02
